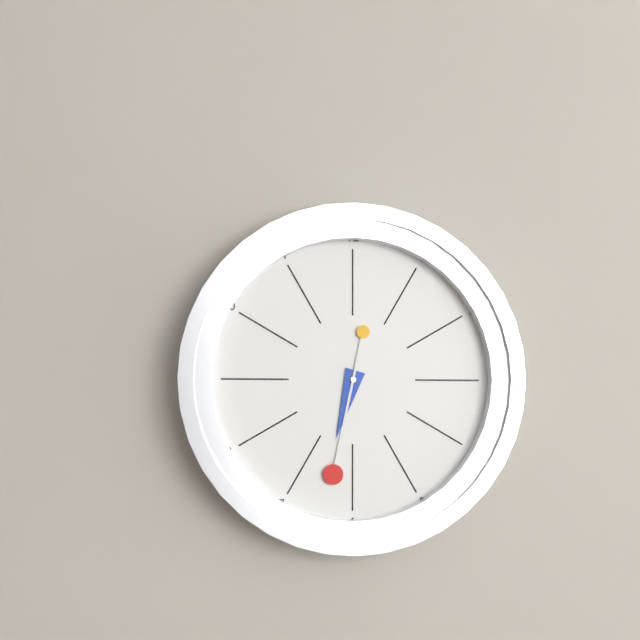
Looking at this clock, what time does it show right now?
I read 6:32
